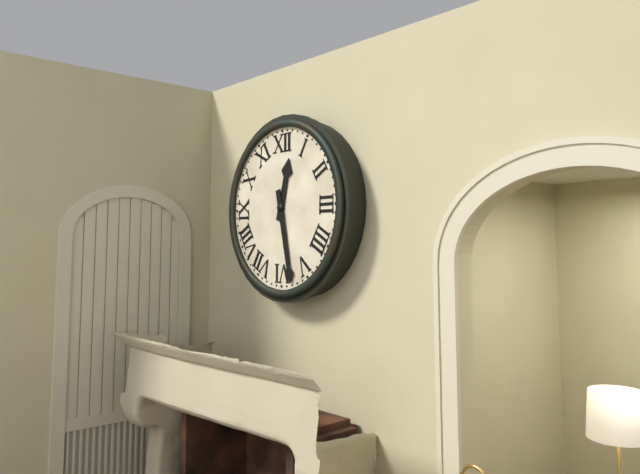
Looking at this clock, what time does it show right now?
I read 12:28
